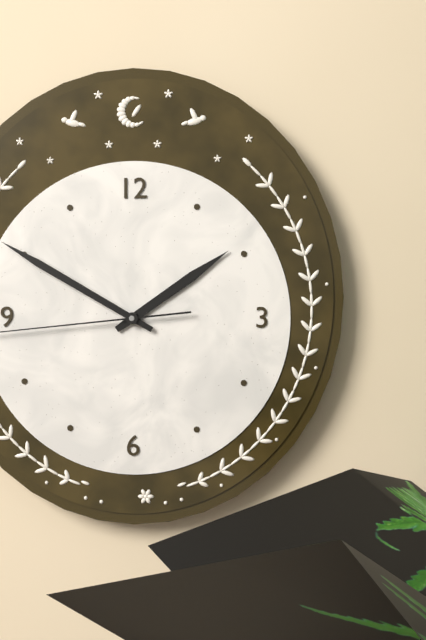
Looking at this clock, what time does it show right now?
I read 1:50
